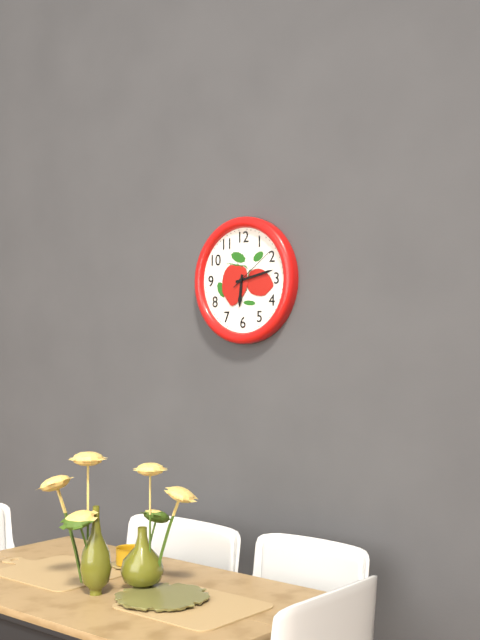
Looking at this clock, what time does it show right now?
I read 6:13:09
